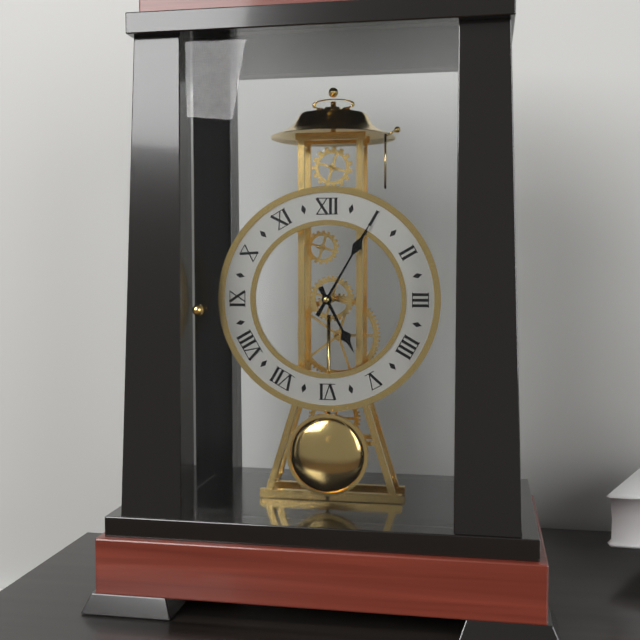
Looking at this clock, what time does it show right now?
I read 5:05
